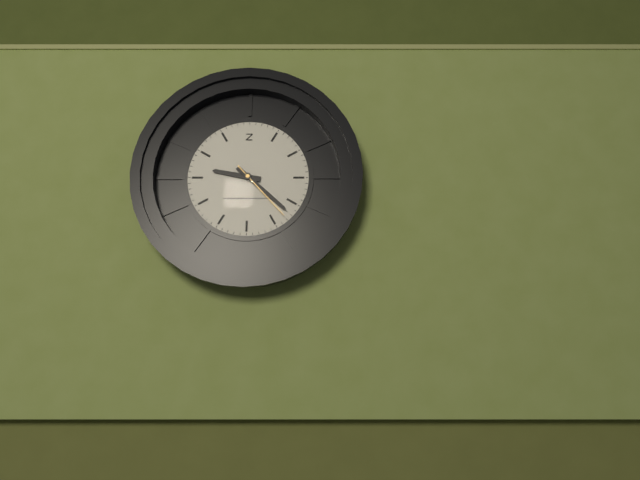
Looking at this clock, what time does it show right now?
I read 9:22:23
